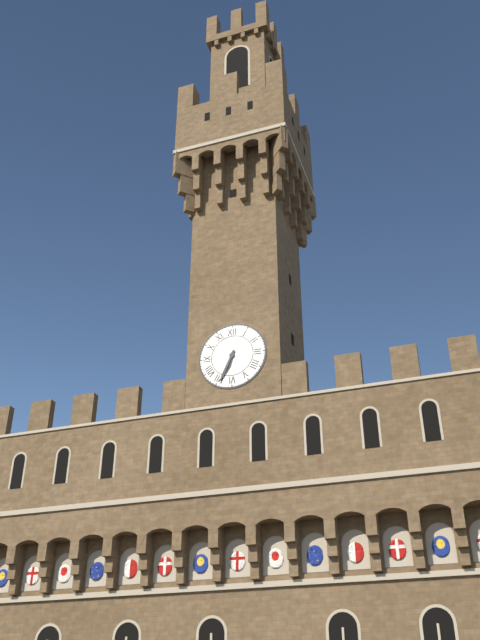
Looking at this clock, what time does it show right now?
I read 6:34
